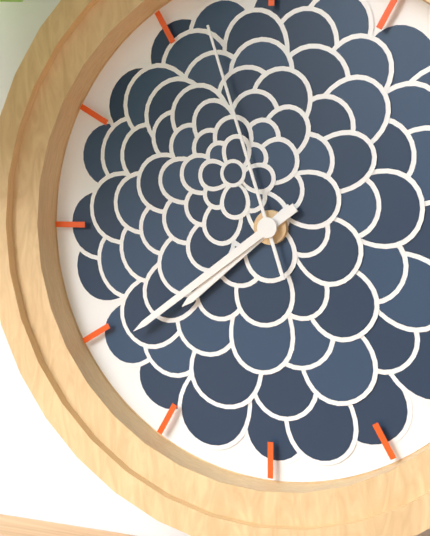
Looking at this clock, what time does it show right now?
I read 7:39:57
